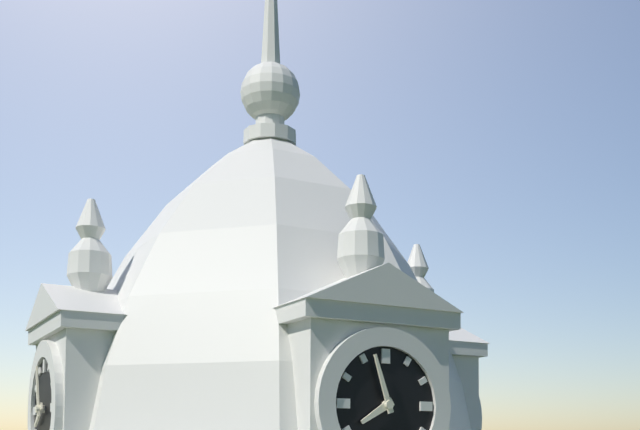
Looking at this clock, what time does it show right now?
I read 7:57
